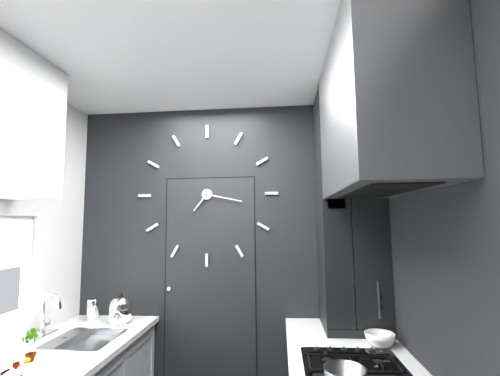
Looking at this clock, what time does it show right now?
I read 7:17
